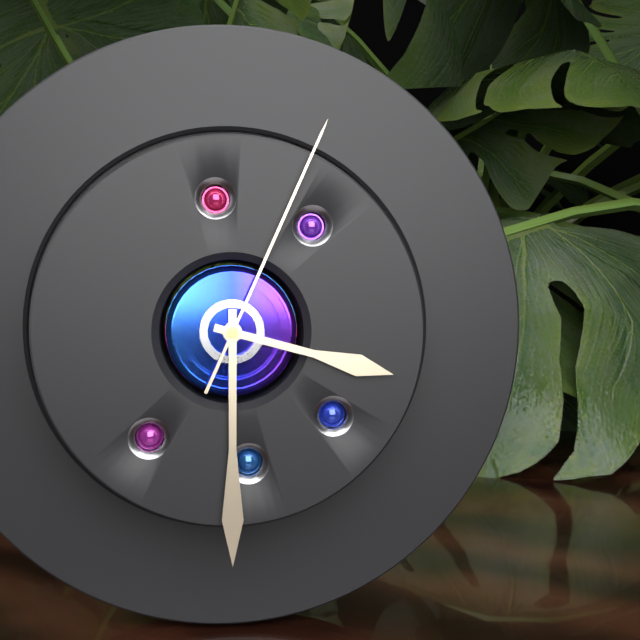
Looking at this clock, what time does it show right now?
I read 3:30:04
